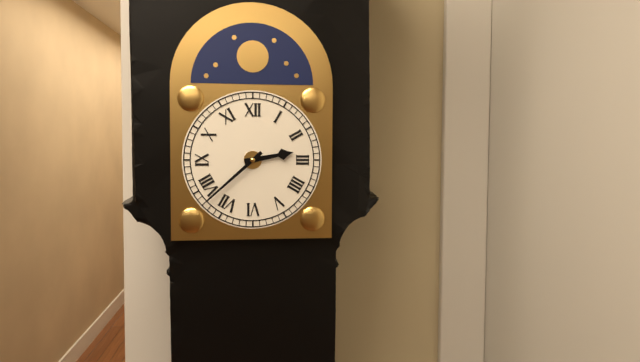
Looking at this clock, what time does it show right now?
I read 2:38
